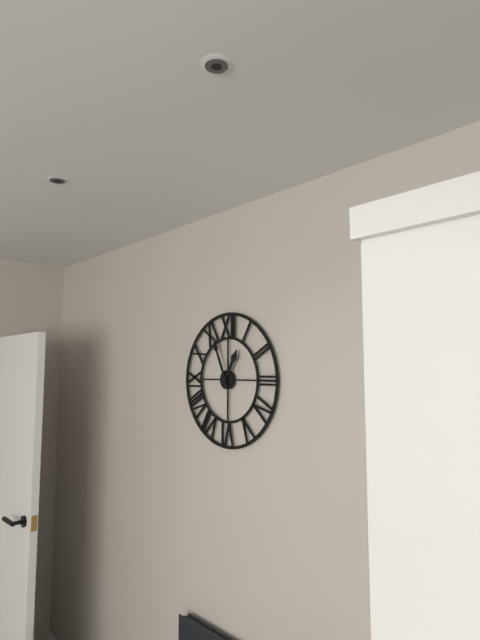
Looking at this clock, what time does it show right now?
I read 12:56
